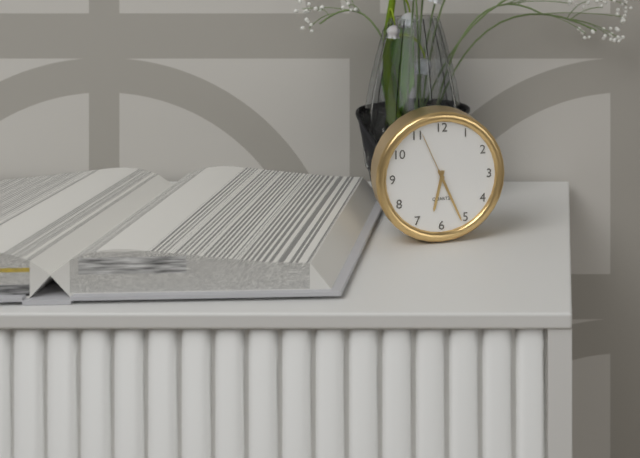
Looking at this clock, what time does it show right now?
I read 6:26:56
